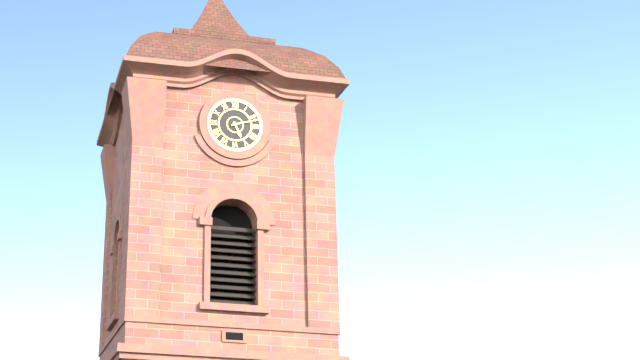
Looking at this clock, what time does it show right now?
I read 5:12
